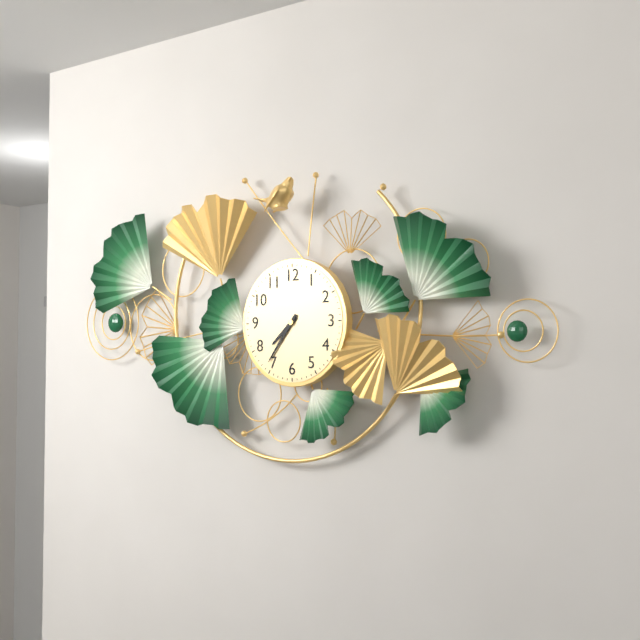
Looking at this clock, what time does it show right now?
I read 7:36
